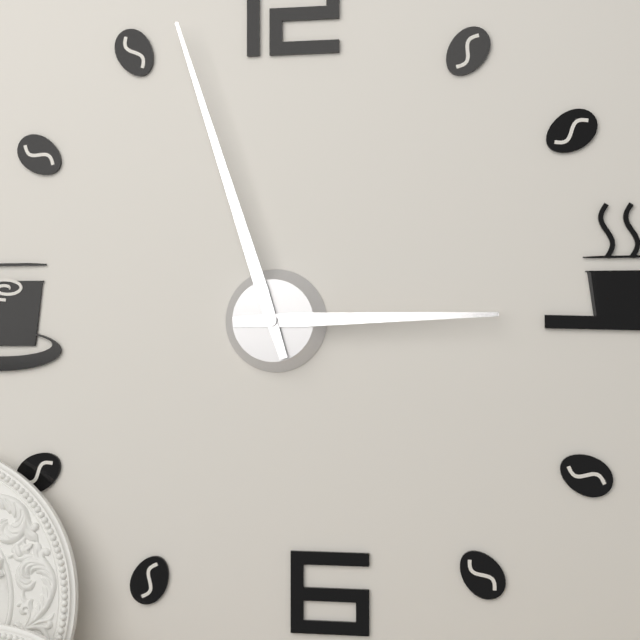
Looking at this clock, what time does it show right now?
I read 2:57
